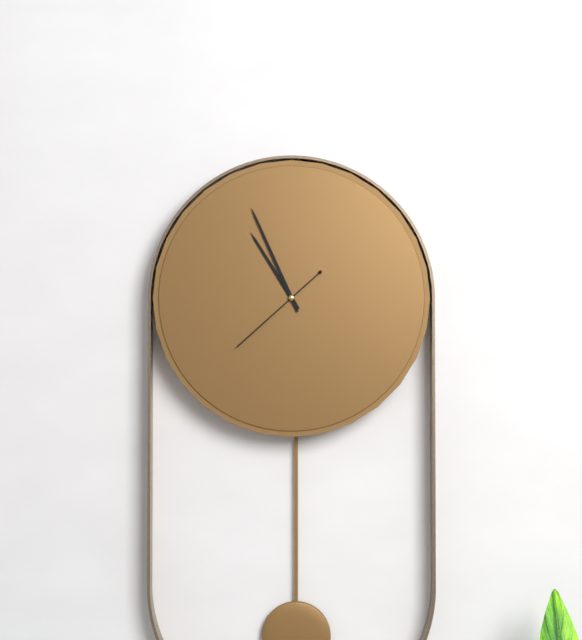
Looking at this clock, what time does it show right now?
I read 10:56:38
